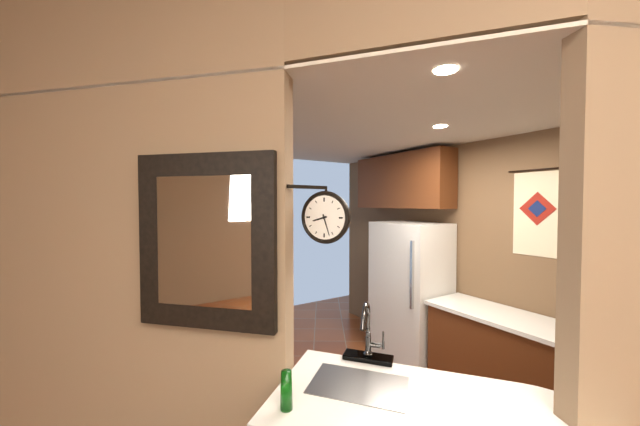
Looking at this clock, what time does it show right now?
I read 8:27
